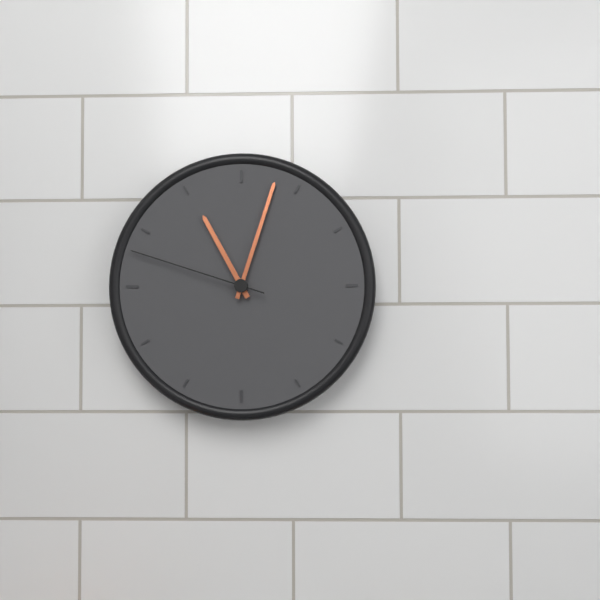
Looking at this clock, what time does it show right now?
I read 11:03:48
